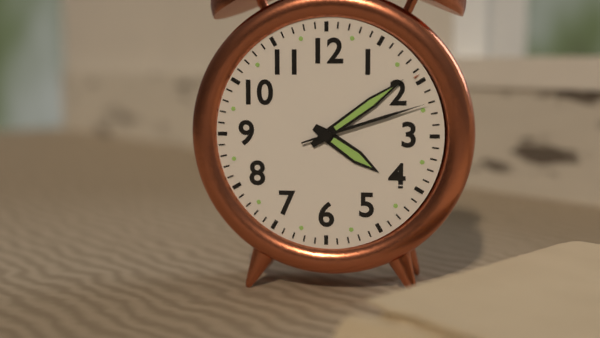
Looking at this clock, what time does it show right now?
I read 4:09:12
